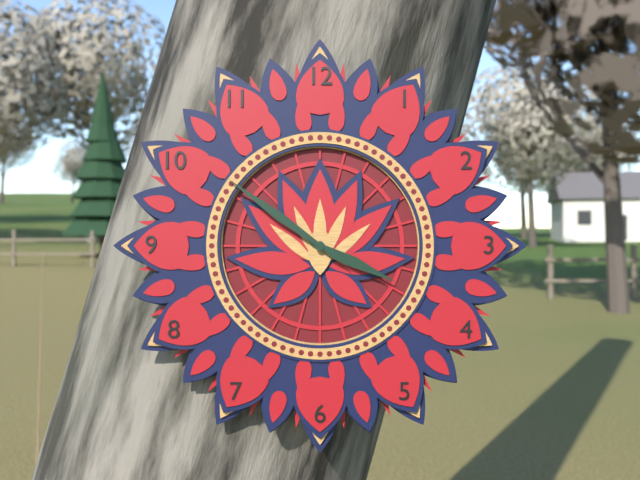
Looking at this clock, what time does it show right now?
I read 3:51
